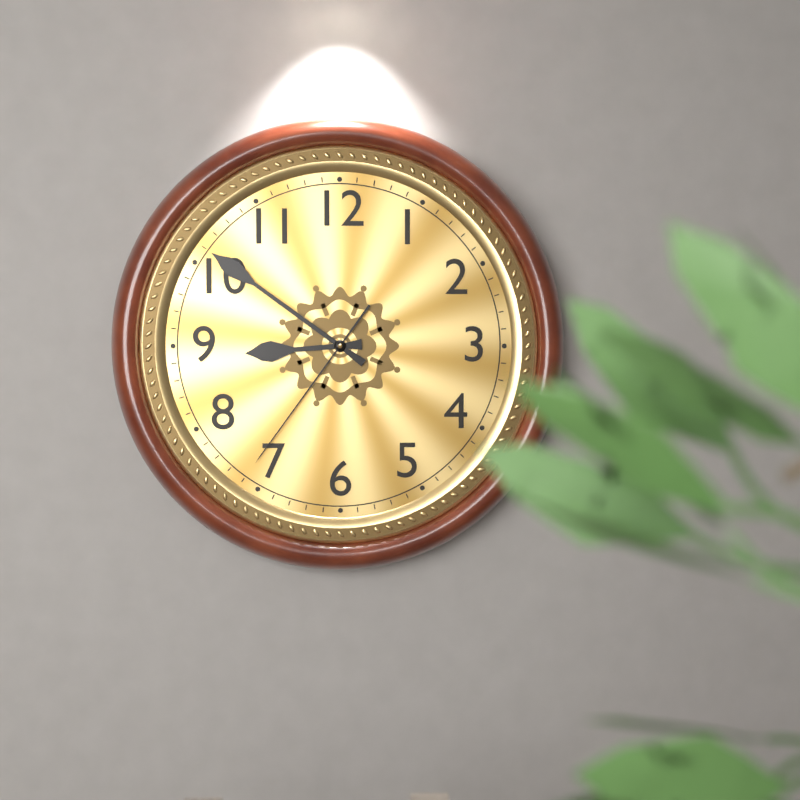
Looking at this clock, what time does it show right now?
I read 8:51:36
